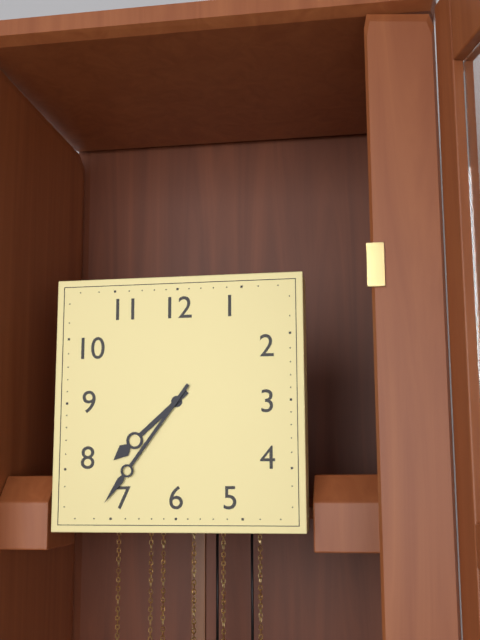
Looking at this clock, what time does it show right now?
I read 7:36
